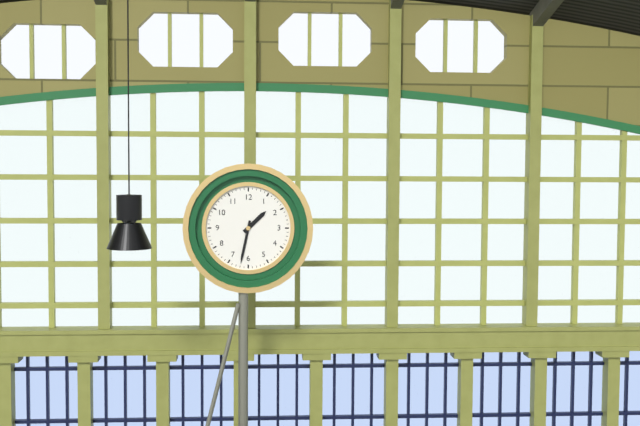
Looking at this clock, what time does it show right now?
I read 1:32
